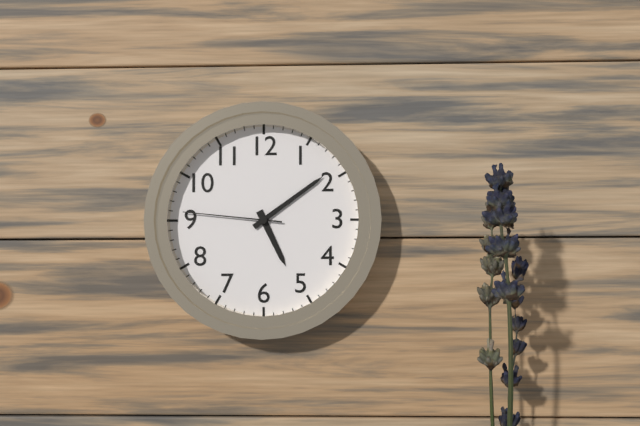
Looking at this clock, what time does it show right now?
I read 5:09:46
